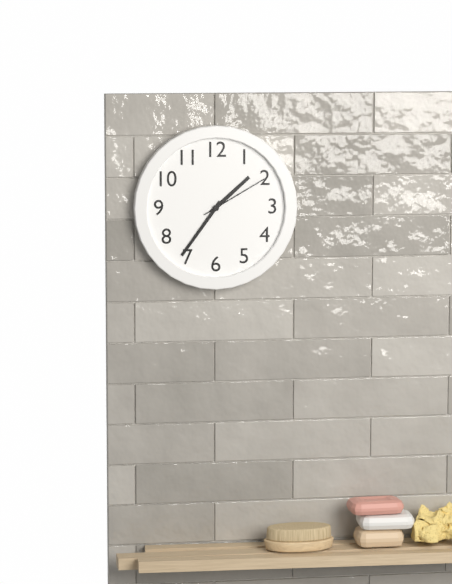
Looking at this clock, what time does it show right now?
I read 1:36:10
